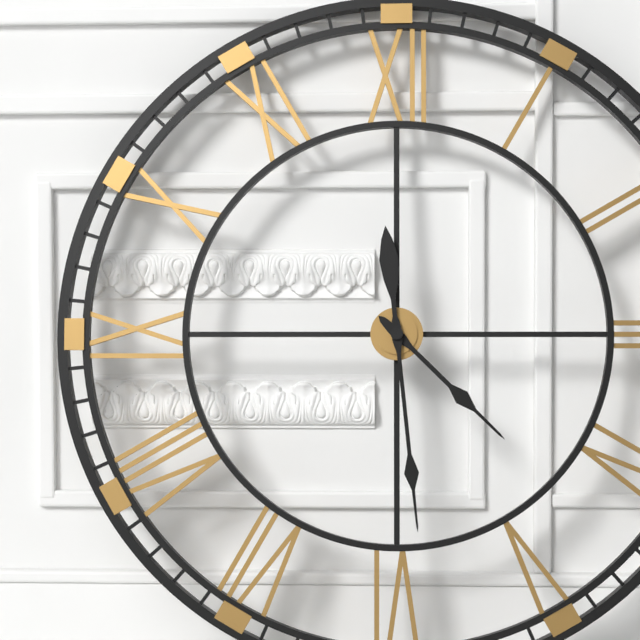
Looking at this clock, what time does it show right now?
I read 4:29
